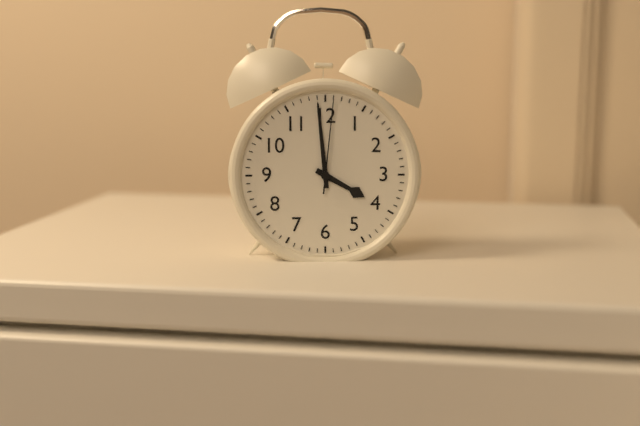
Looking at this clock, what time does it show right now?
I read 3:59:01
